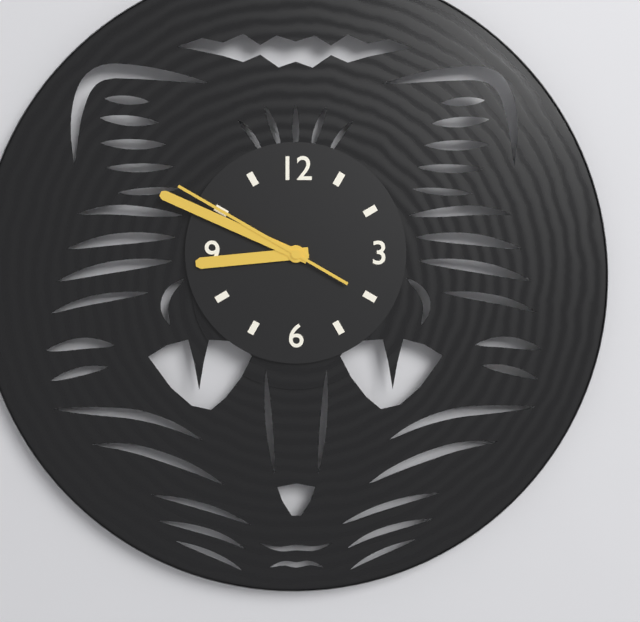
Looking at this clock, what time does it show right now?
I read 8:49:50
